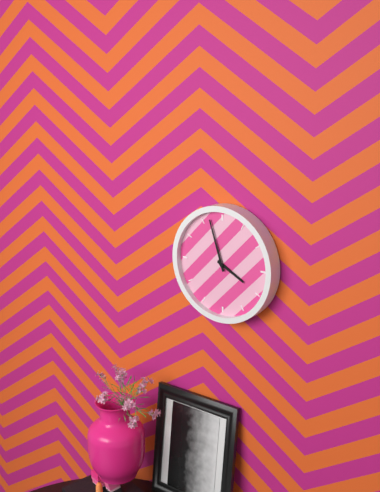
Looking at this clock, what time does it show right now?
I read 3:57
